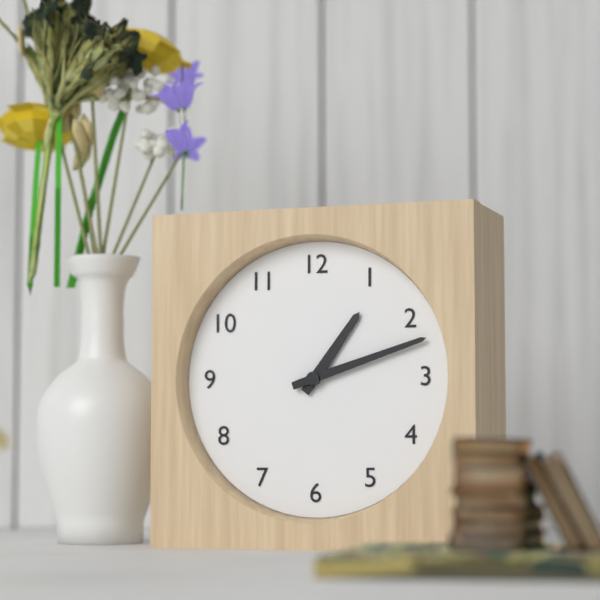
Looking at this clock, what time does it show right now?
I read 1:12
